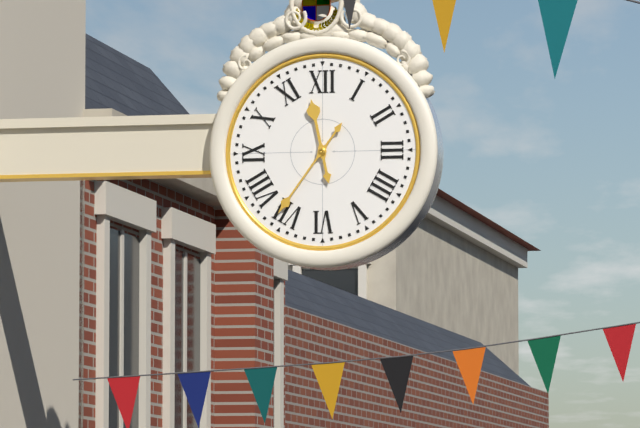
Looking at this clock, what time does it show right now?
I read 11:36
